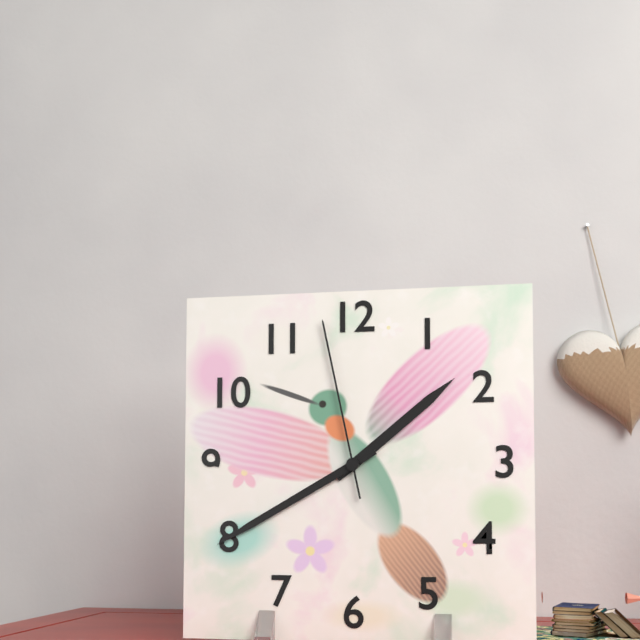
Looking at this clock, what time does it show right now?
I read 1:40:58
